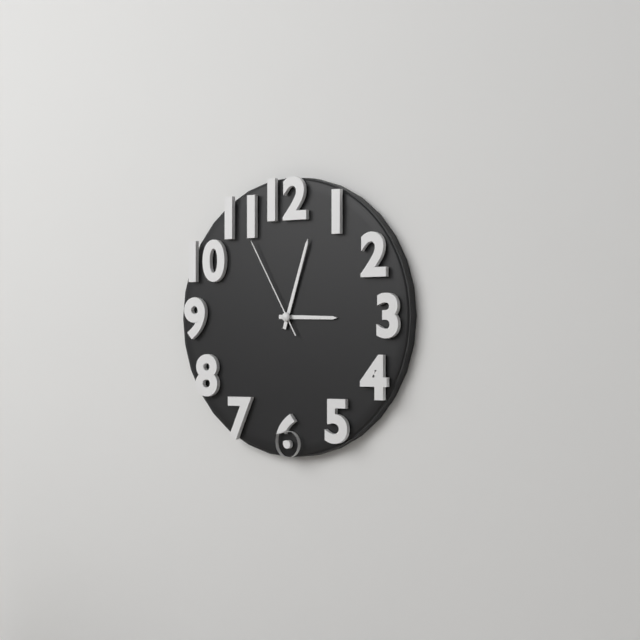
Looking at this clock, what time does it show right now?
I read 3:03:55
